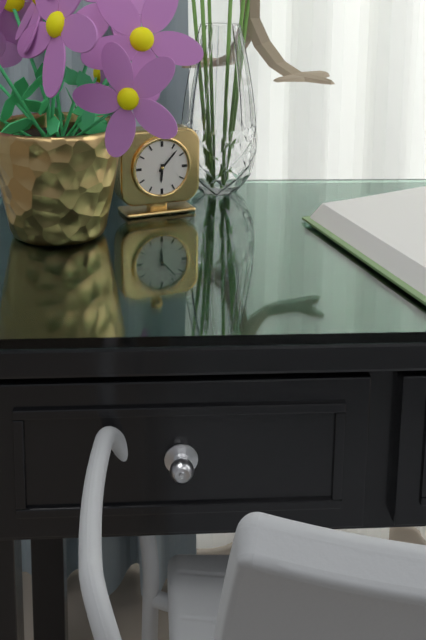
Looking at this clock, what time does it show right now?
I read 6:07
